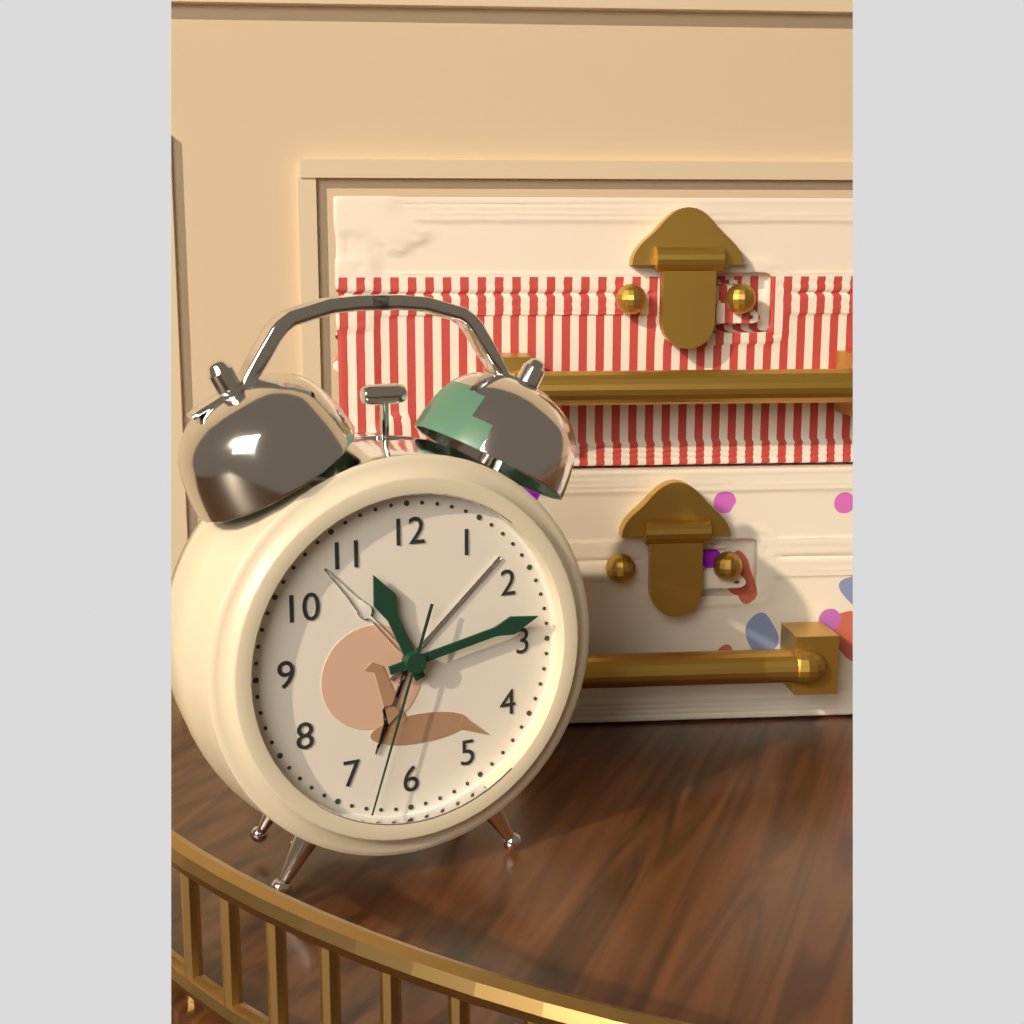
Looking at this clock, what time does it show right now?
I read 11:13:33
